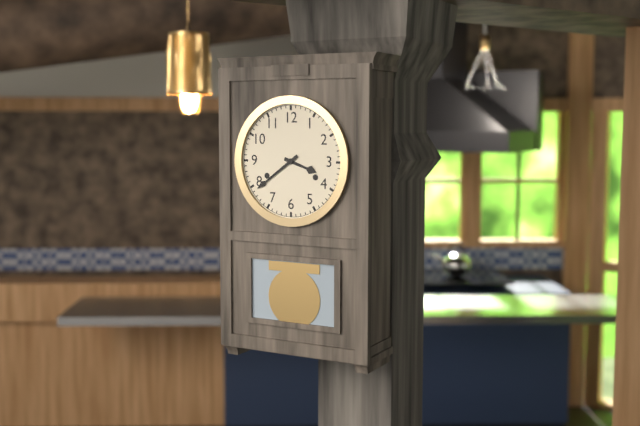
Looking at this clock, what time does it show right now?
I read 3:39
